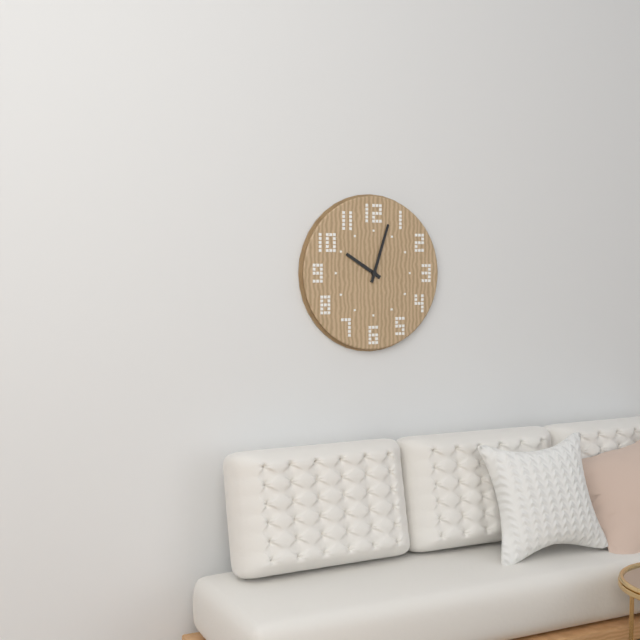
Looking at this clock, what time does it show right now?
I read 10:03
